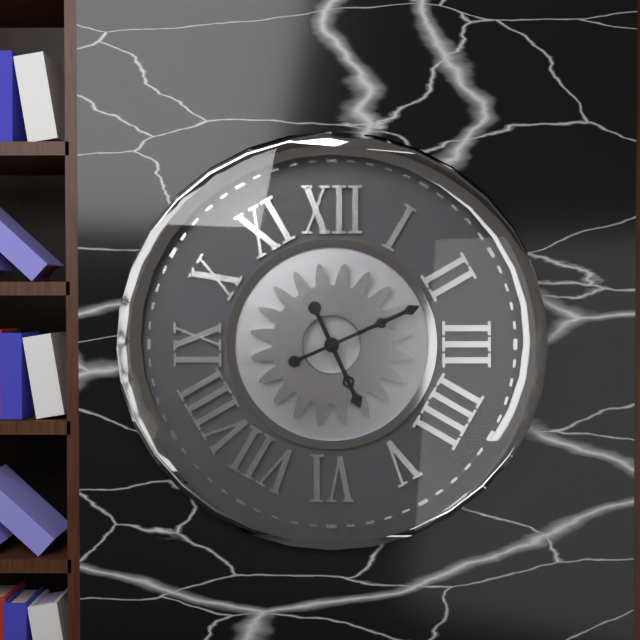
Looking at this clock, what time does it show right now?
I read 5:11
